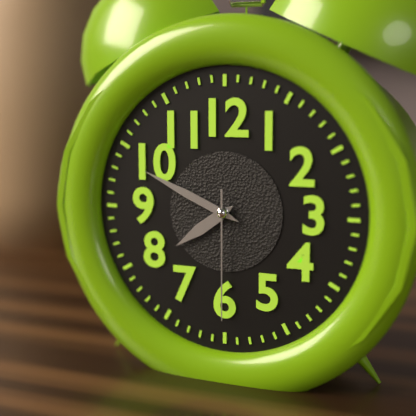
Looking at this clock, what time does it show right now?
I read 7:49:30
